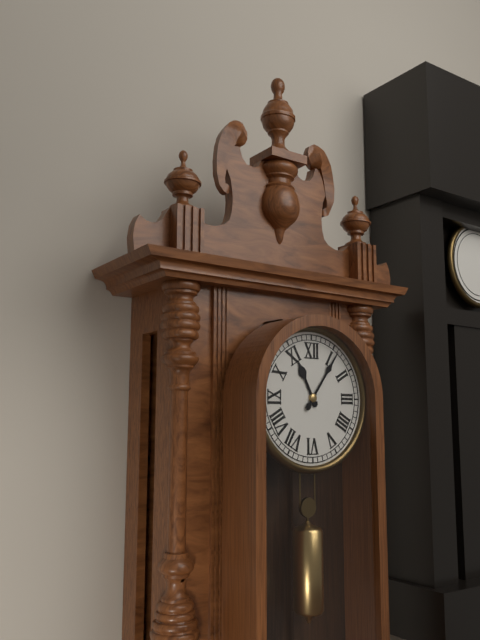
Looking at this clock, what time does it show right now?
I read 11:06
